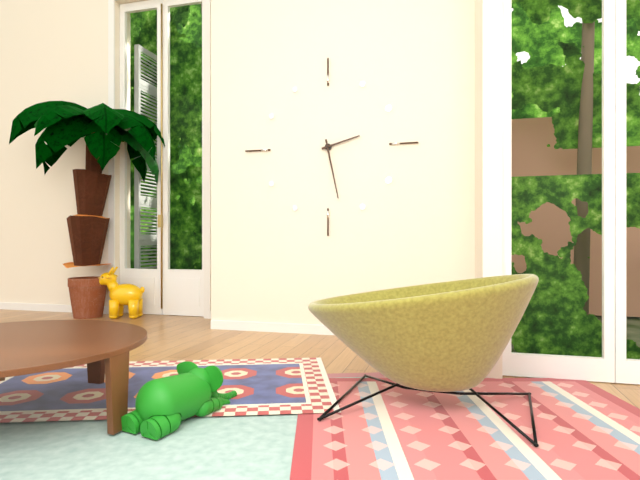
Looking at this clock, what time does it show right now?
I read 2:28
